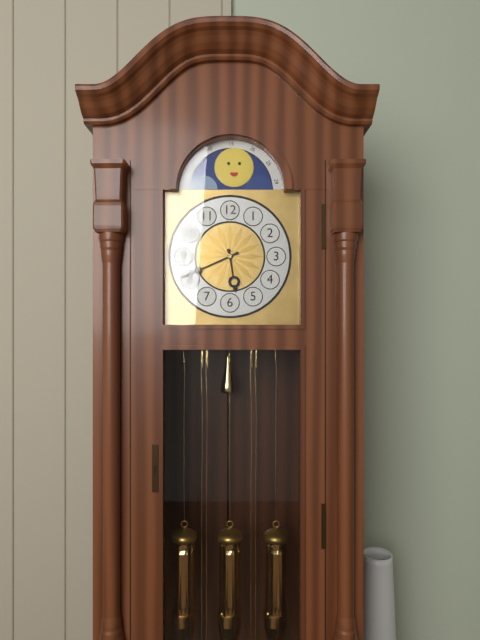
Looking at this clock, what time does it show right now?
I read 5:41
